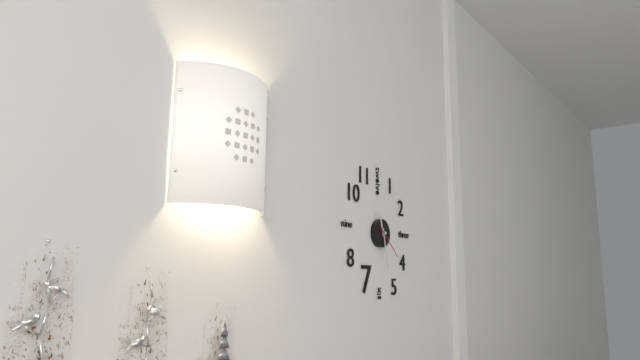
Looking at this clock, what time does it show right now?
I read 11:28
